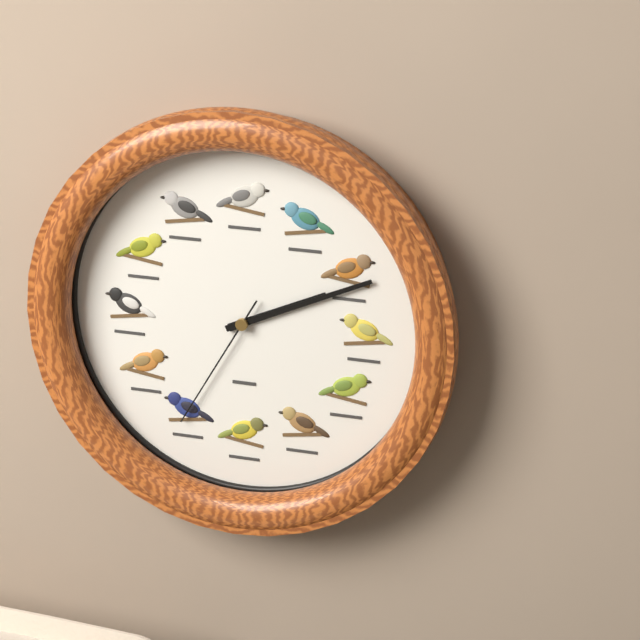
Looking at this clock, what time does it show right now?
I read 2:11:35
